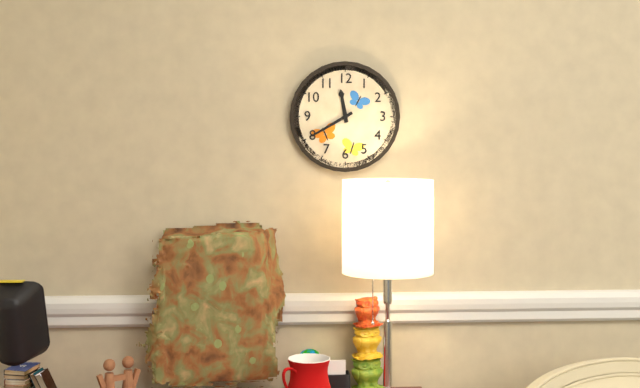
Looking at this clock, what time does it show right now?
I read 11:40
